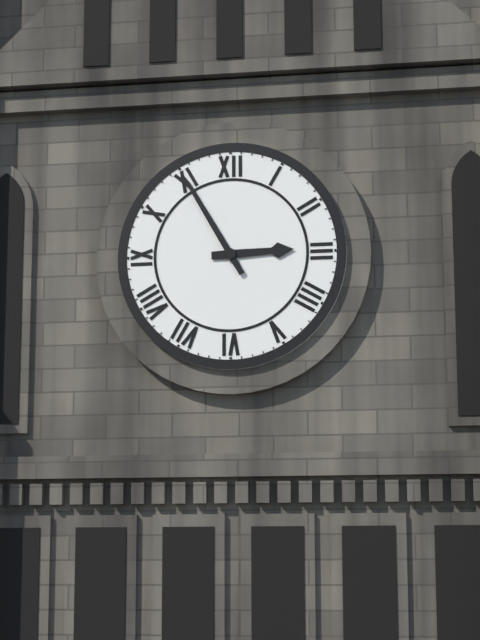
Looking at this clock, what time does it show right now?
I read 2:55
